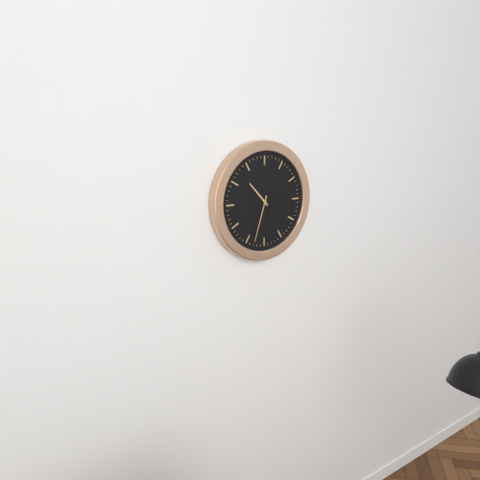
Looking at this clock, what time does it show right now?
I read 10:33
